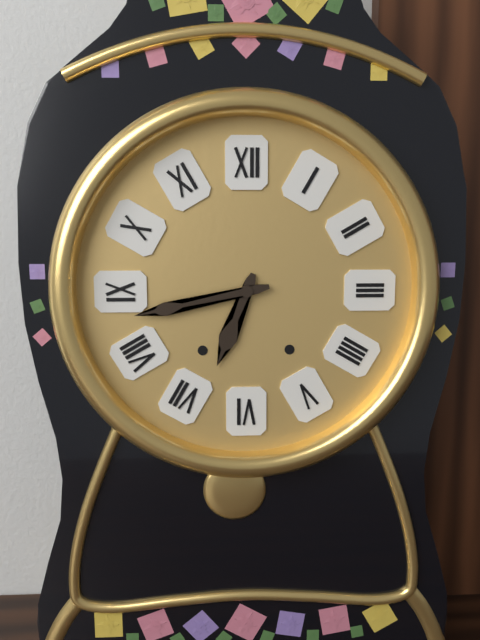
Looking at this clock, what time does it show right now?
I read 6:43
